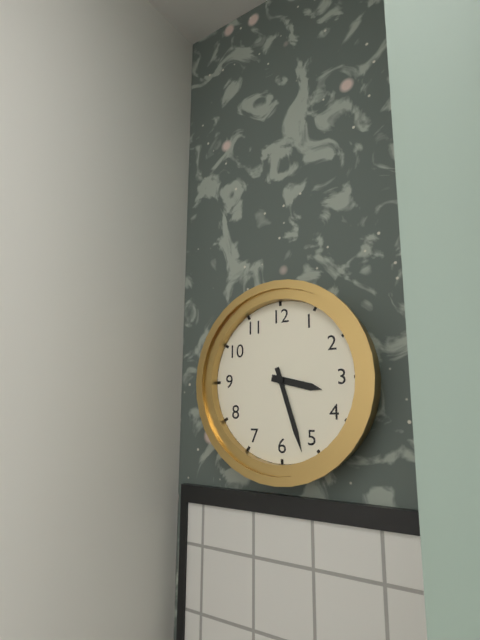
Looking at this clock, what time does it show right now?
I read 3:27
